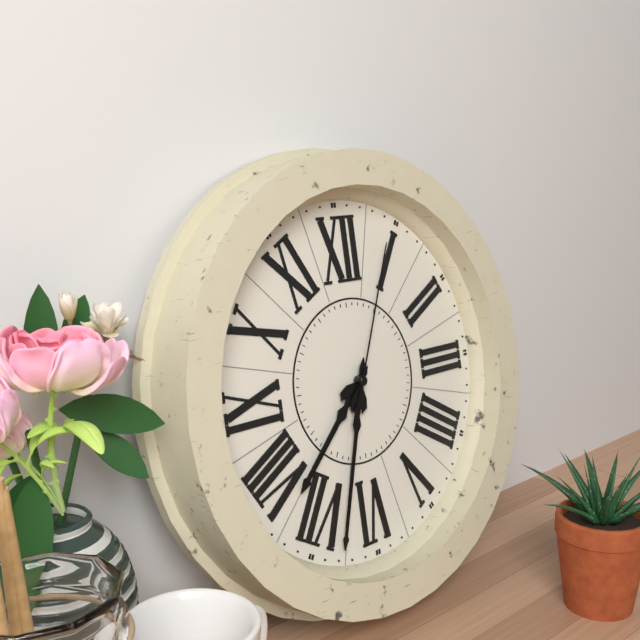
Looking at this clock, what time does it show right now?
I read 7:33:04
